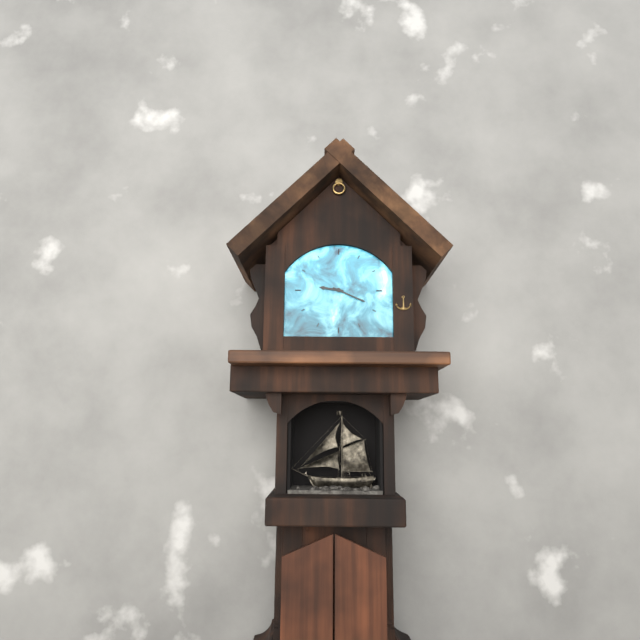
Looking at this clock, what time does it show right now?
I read 9:19
